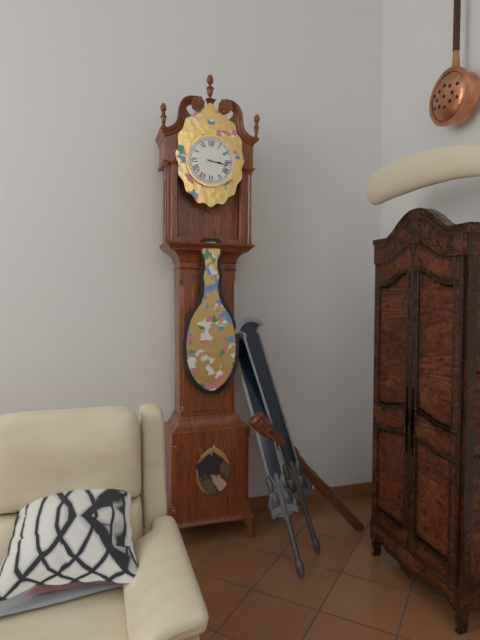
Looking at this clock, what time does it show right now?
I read 3:17
